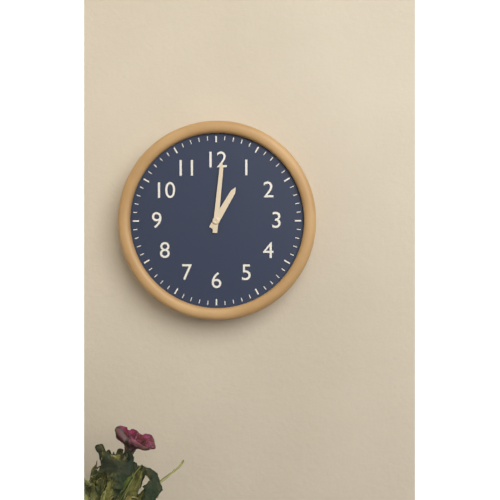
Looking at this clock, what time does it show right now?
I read 1:01
